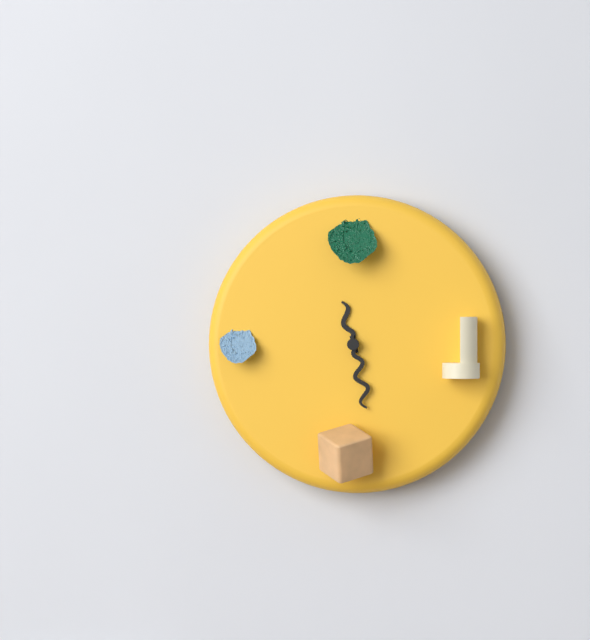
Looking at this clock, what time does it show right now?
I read 11:28
